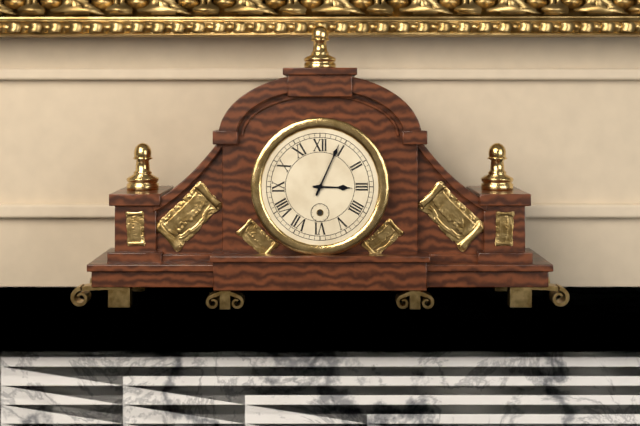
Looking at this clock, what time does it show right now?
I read 3:04
